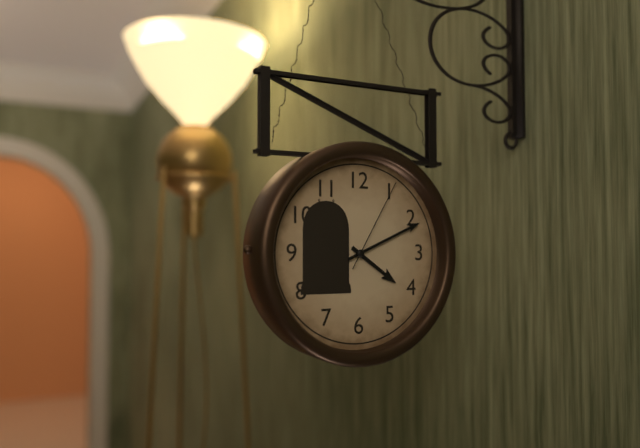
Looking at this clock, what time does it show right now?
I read 4:11:05
